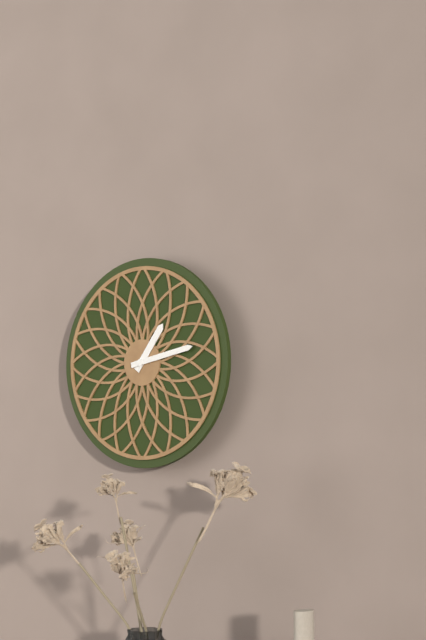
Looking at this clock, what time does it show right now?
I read 1:13
